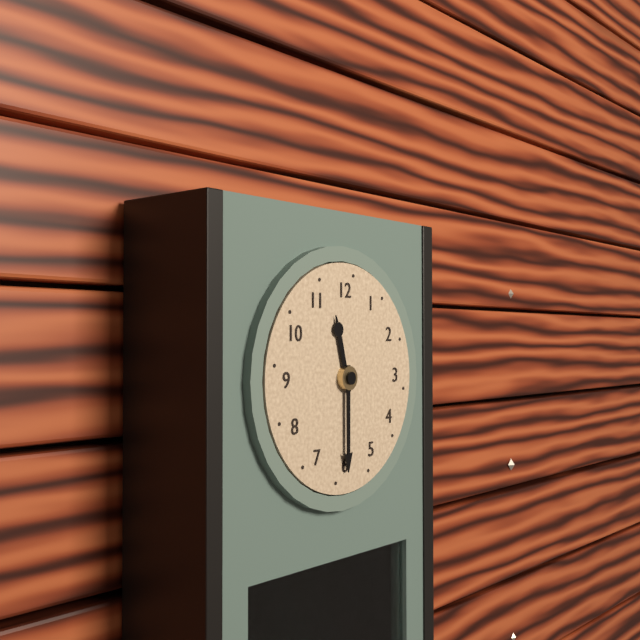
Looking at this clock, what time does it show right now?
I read 11:30
